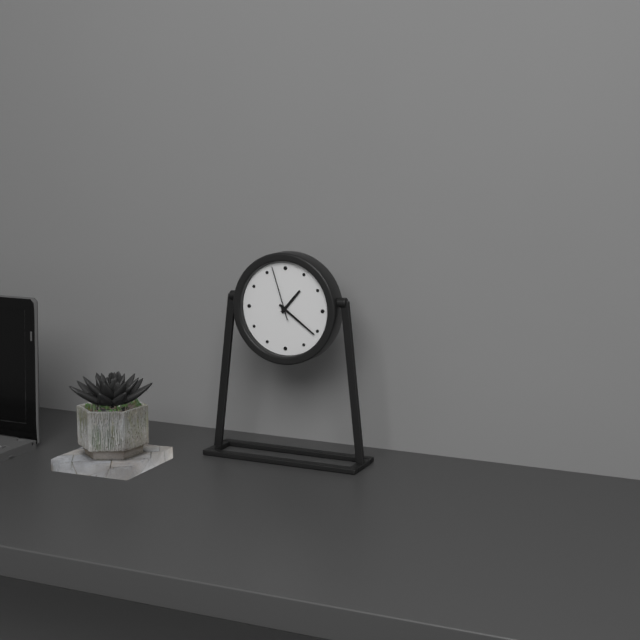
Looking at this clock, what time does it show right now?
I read 1:21:57
